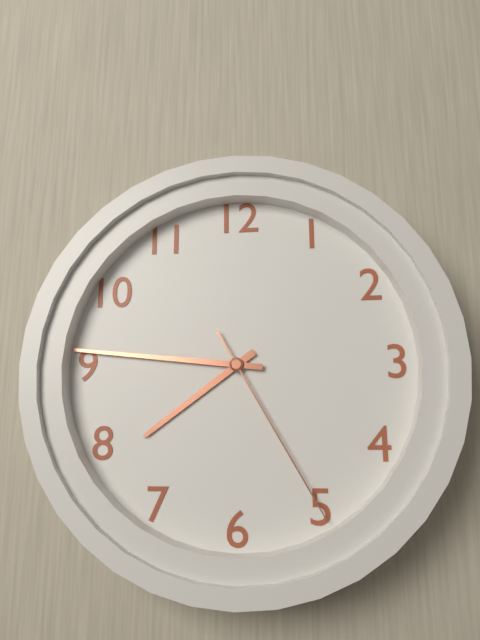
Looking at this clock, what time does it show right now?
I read 7:46:25
